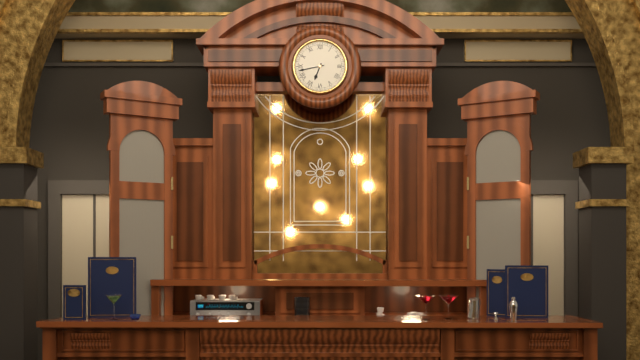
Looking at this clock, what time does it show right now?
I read 6:43
